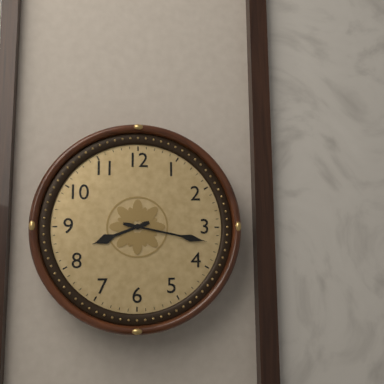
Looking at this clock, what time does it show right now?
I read 8:17
